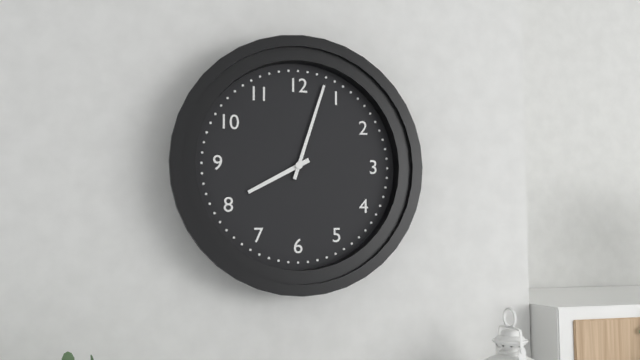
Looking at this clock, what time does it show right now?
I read 8:03
